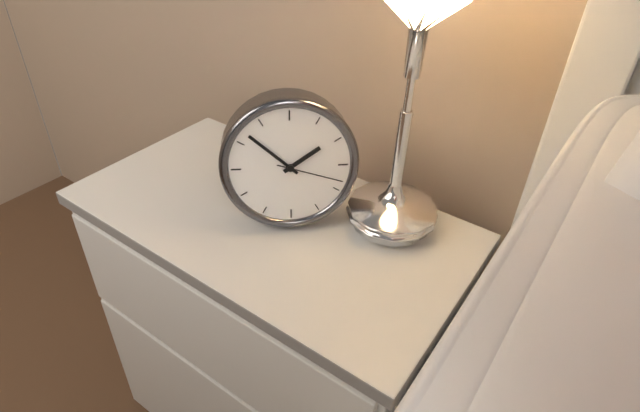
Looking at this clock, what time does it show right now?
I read 1:52:18
